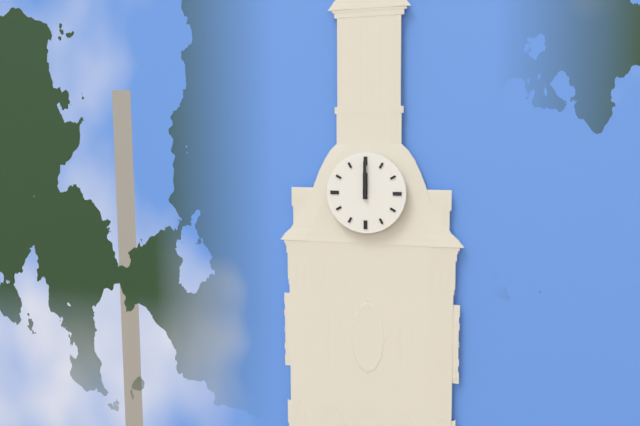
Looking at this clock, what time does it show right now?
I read 12:00
